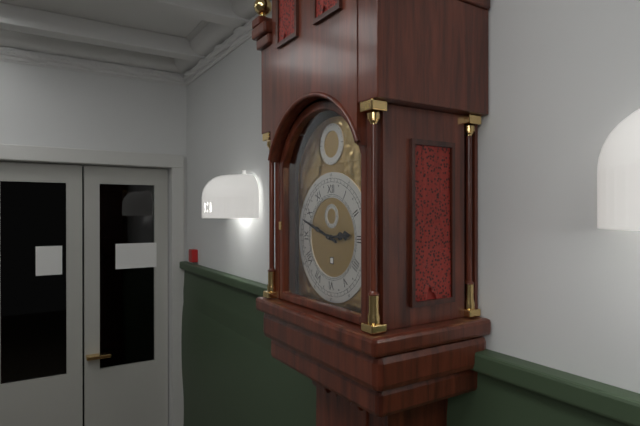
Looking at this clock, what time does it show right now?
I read 2:48
